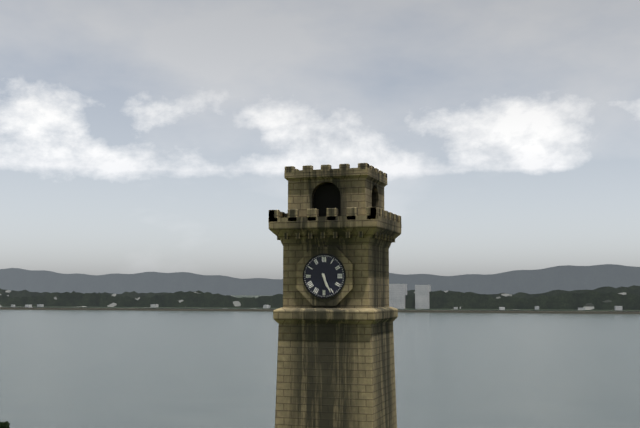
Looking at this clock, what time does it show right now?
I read 5:26
